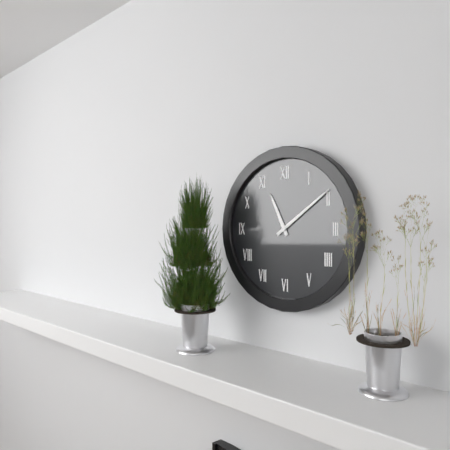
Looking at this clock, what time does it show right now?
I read 11:09
